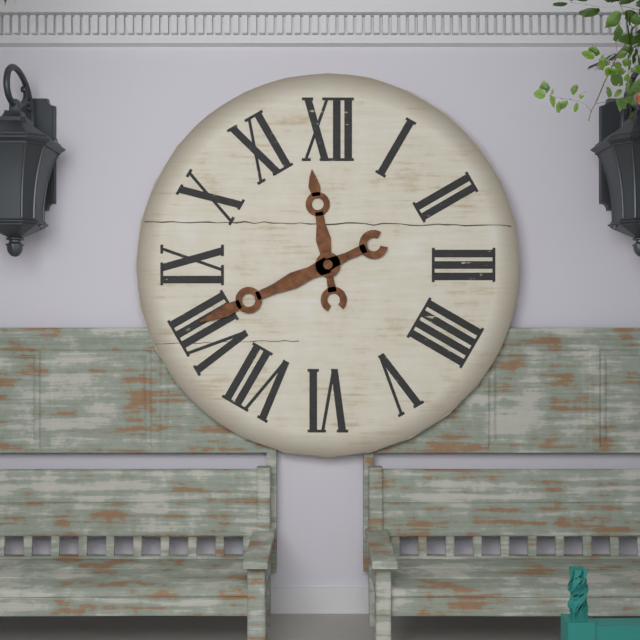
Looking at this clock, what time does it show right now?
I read 11:41
